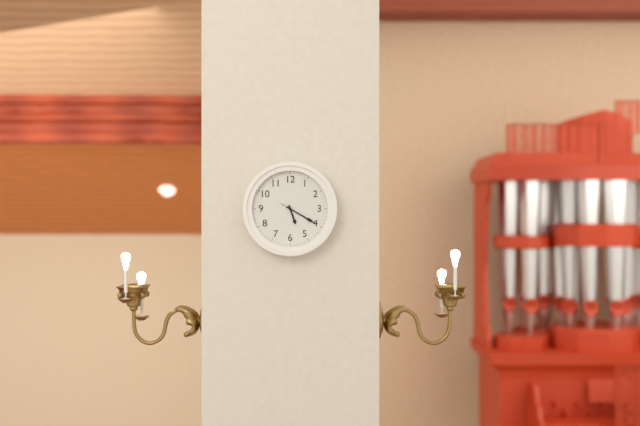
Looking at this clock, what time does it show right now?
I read 5:20
